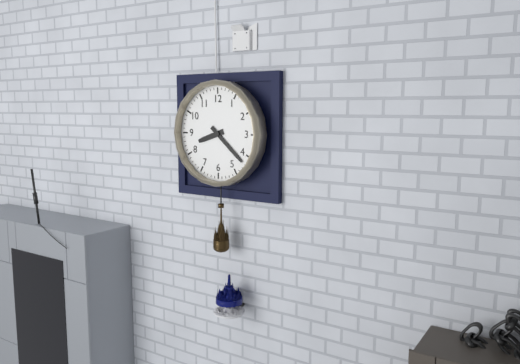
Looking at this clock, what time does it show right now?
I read 8:22
